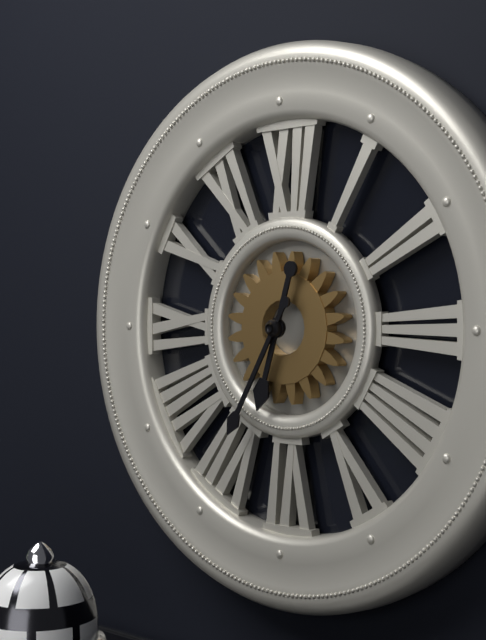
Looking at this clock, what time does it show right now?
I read 6:35
